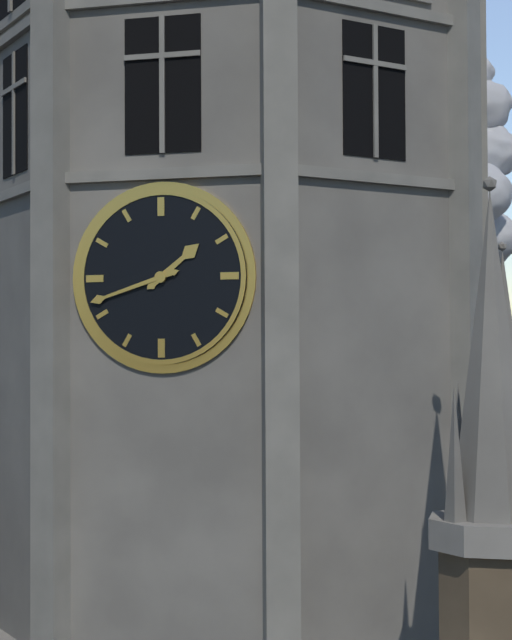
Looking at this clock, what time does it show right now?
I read 1:42
